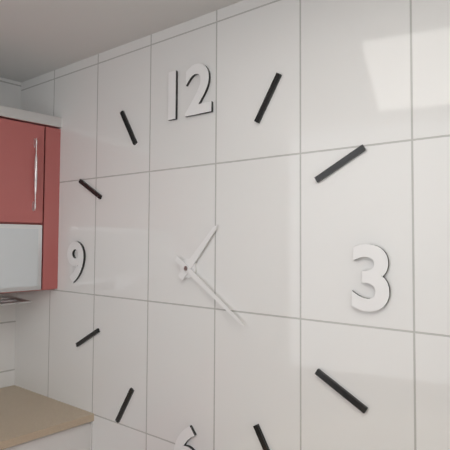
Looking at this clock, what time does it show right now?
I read 1:21
